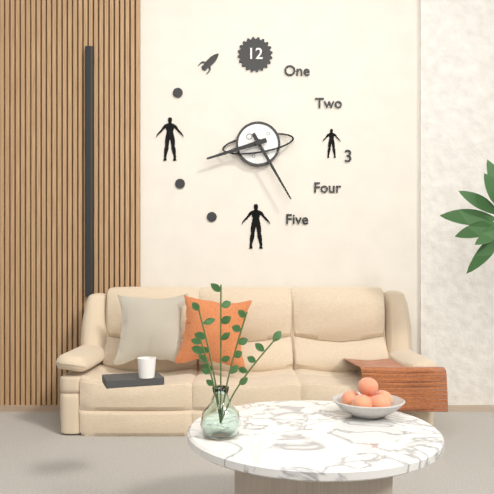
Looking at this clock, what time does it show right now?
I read 8:25
